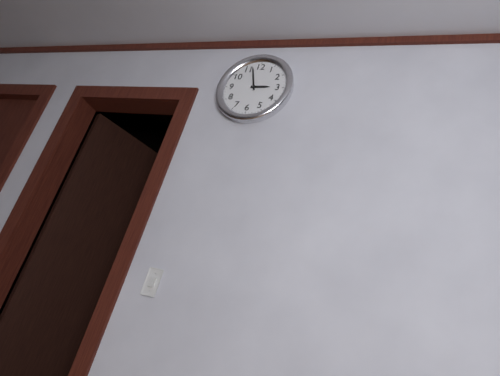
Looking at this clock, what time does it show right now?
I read 2:57
